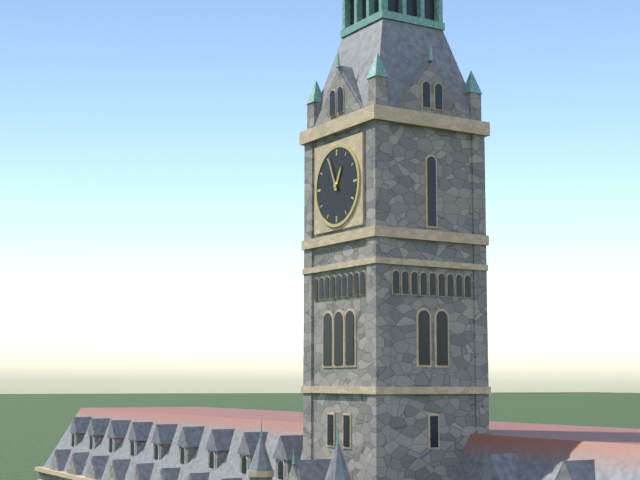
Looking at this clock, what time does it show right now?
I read 12:56
